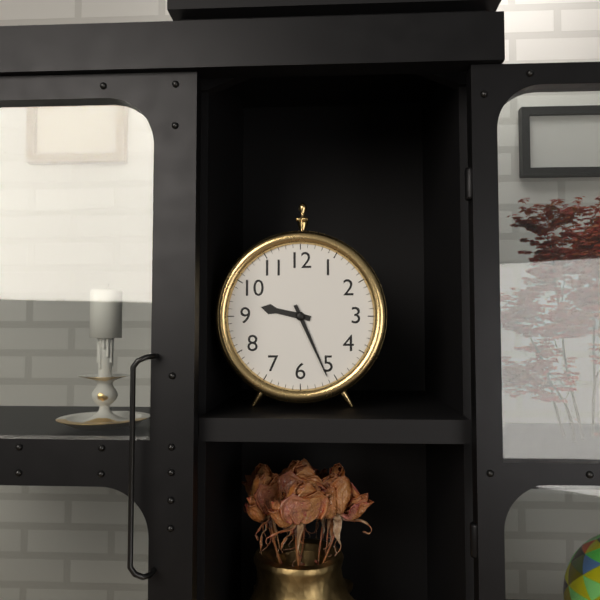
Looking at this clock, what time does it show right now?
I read 9:26
